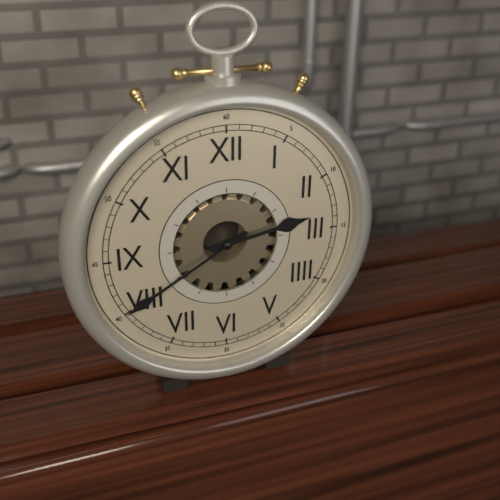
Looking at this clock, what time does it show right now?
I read 2:40
